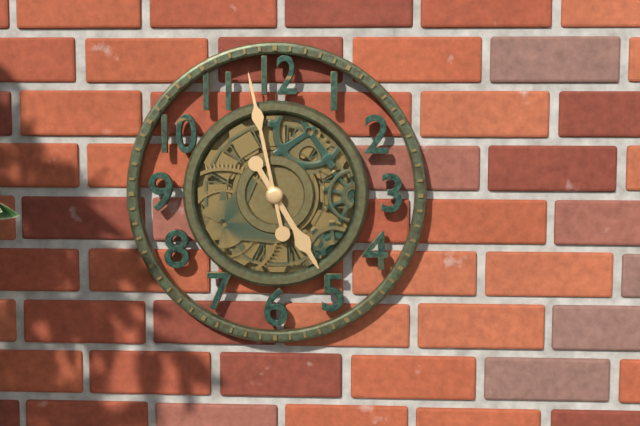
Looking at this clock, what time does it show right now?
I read 4:58
